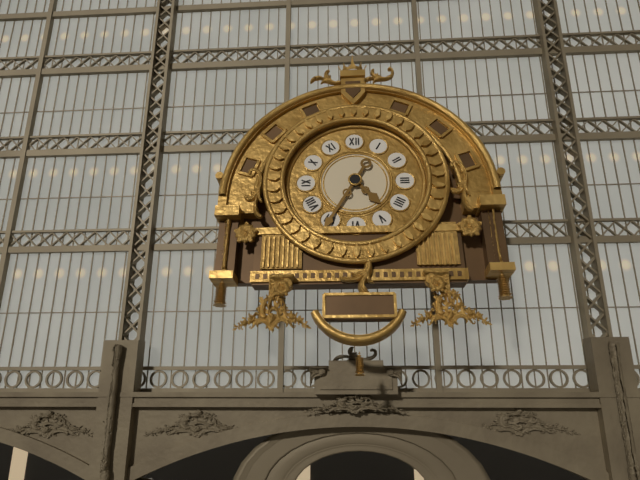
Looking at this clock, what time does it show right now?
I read 4:35
